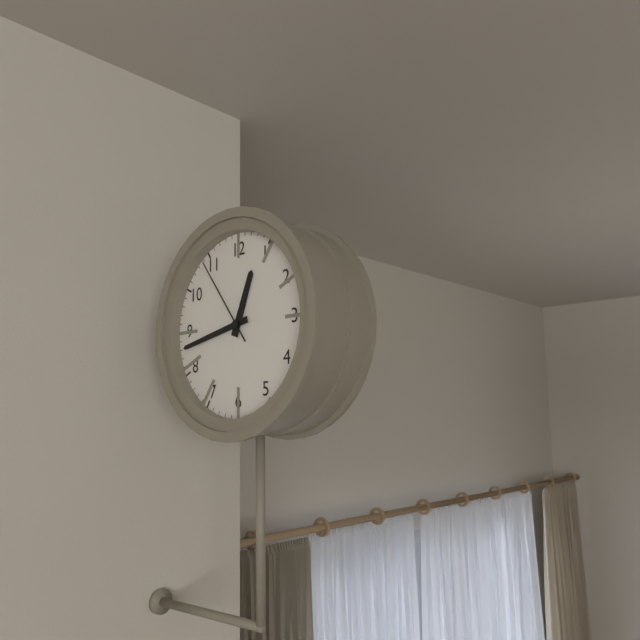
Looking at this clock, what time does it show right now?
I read 12:43:54
